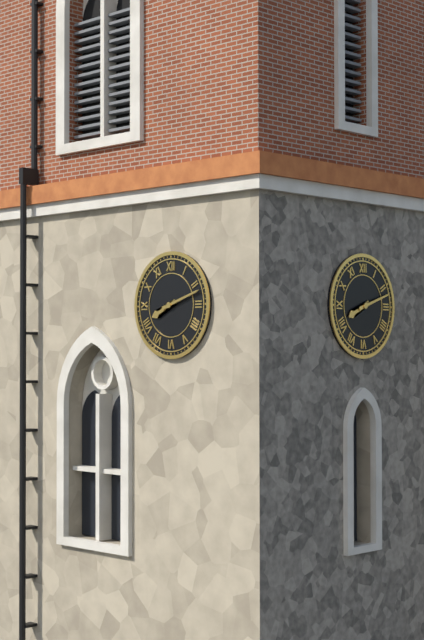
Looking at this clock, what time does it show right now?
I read 8:12
